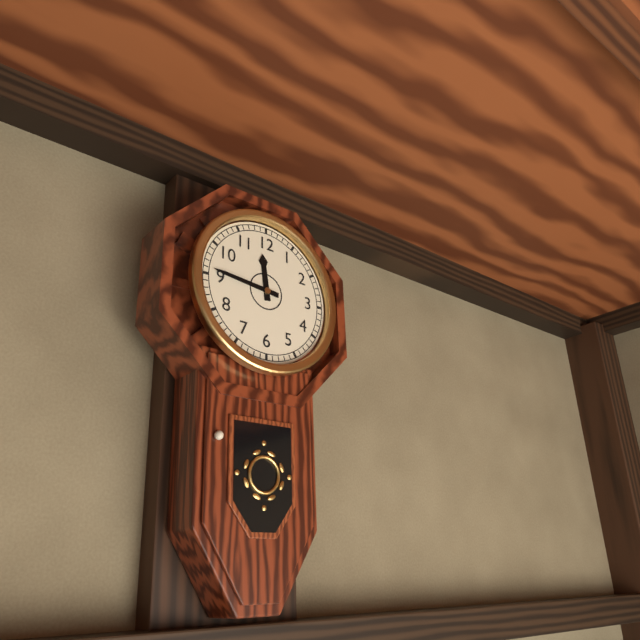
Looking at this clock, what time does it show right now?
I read 11:46
